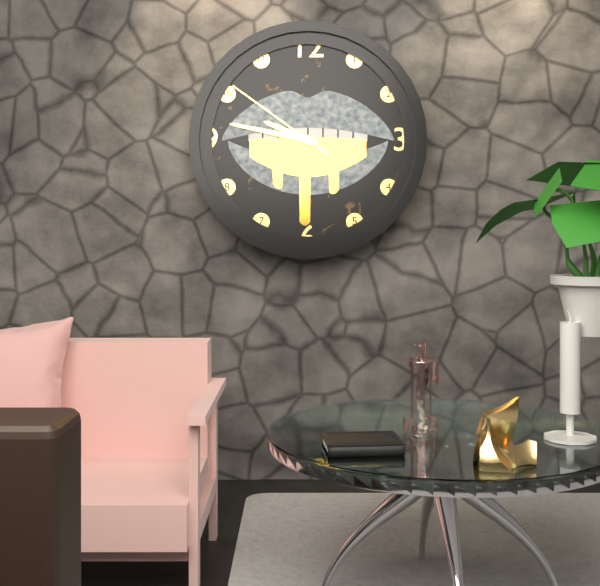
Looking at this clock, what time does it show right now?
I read 9:47:51
